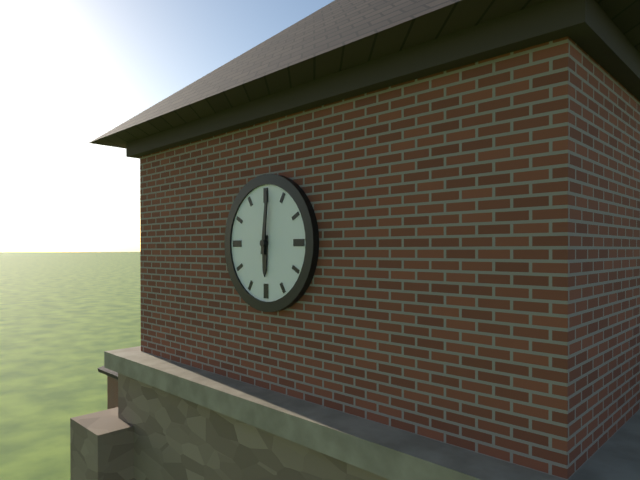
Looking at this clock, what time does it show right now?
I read 6:01
